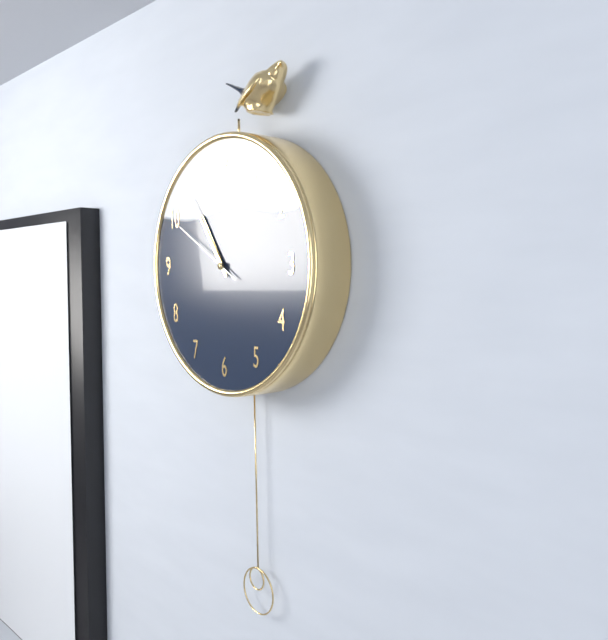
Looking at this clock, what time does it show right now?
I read 10:54:50
